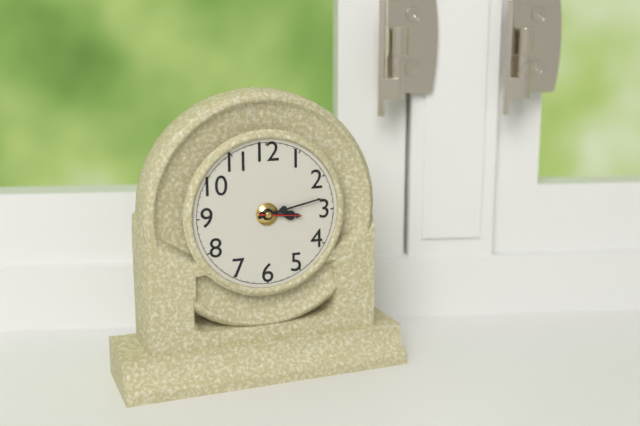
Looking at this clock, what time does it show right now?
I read 3:13
